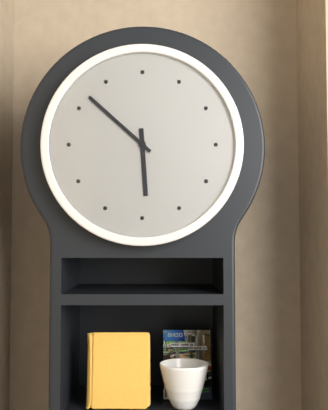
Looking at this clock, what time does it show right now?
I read 5:52
